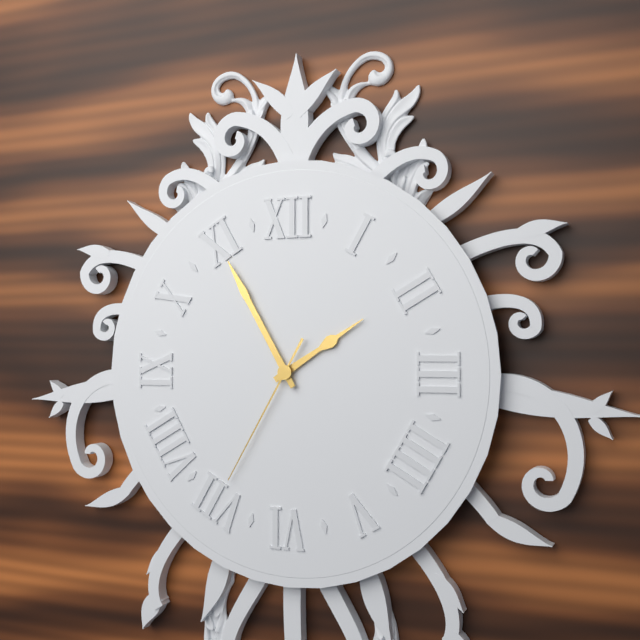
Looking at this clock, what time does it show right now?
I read 1:55:35
